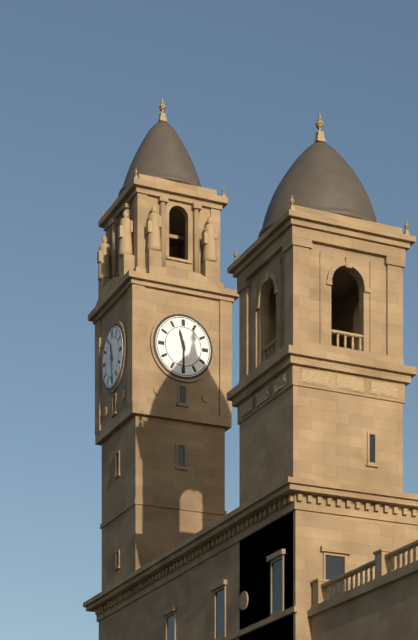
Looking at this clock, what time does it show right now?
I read 11:30
